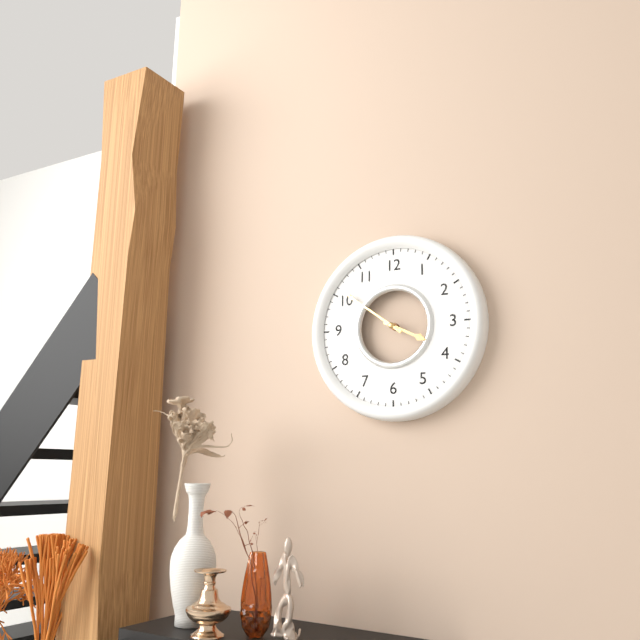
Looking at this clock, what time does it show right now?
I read 3:51
